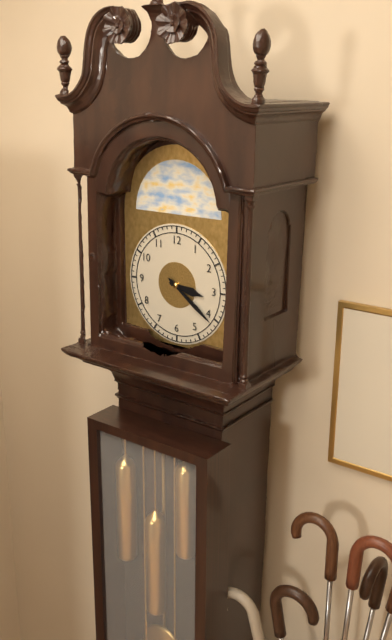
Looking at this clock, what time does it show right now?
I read 3:21
